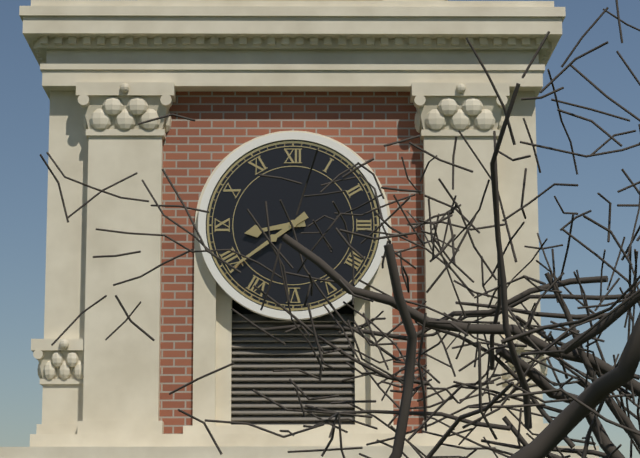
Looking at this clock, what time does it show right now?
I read 8:39
